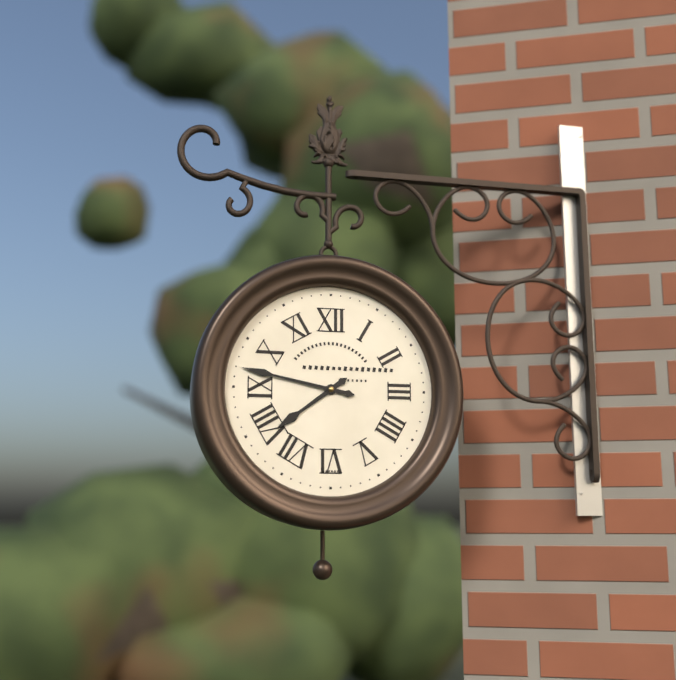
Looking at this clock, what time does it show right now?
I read 7:47
